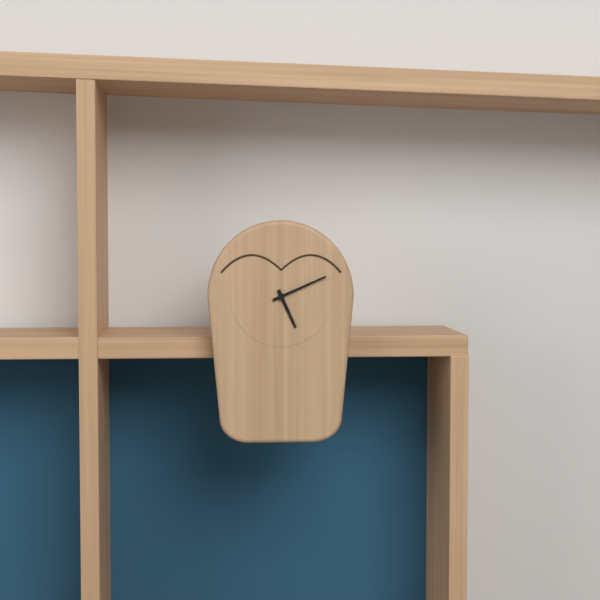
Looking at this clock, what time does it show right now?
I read 5:11
